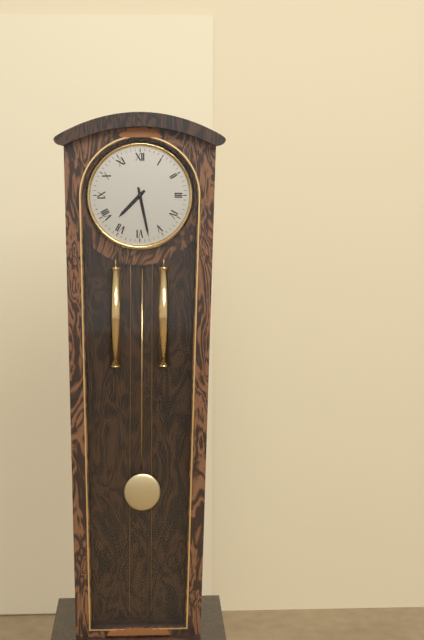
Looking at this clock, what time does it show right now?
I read 7:28
